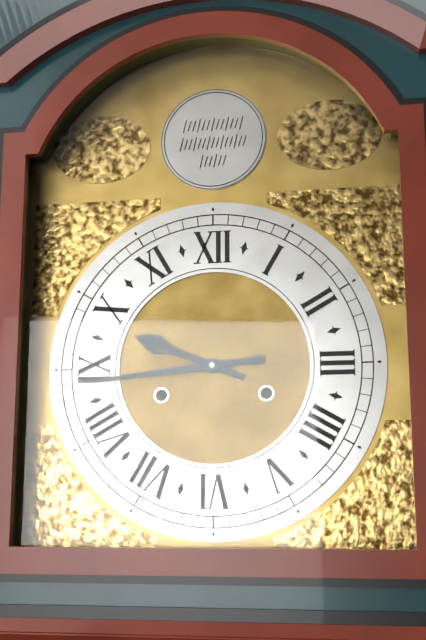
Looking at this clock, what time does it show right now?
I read 9:44
